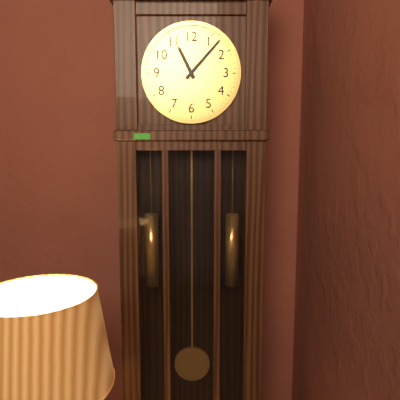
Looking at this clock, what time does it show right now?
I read 11:07
